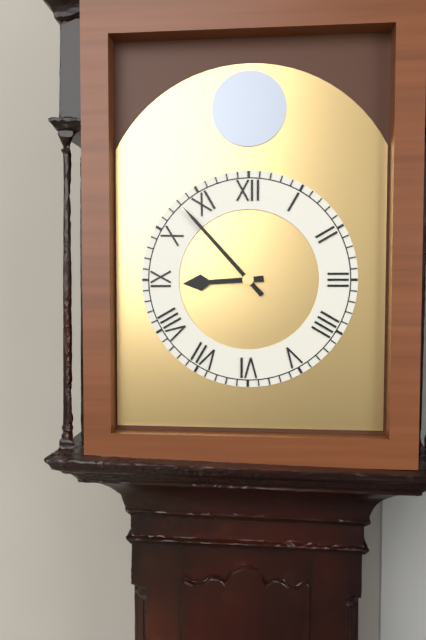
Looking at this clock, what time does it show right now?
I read 8:53
